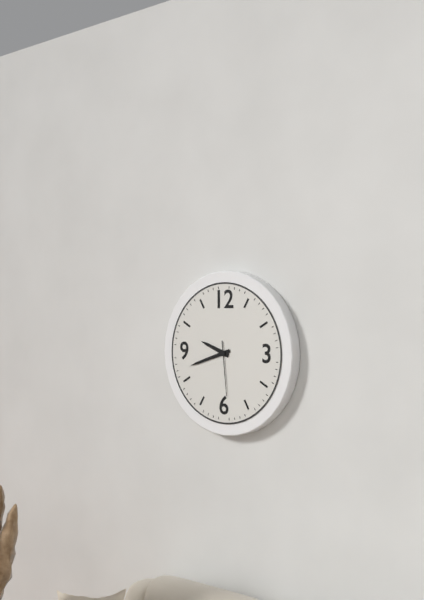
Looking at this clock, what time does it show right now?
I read 9:42:29
